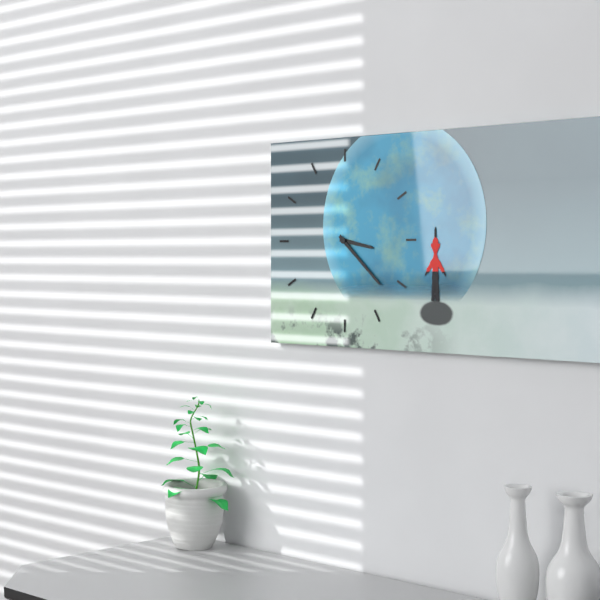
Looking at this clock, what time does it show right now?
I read 3:22
